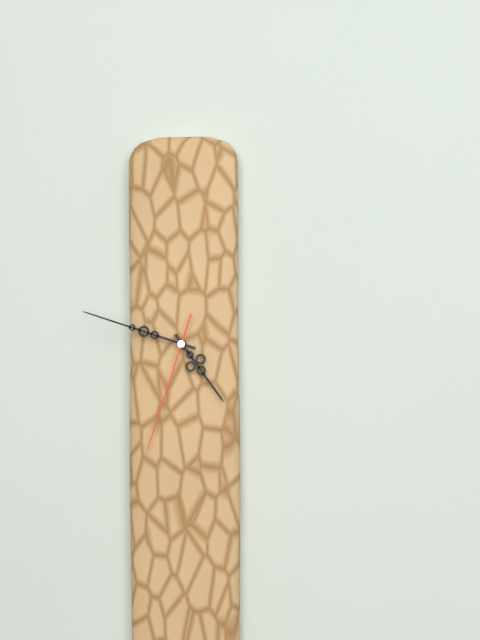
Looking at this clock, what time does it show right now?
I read 4:48:33
